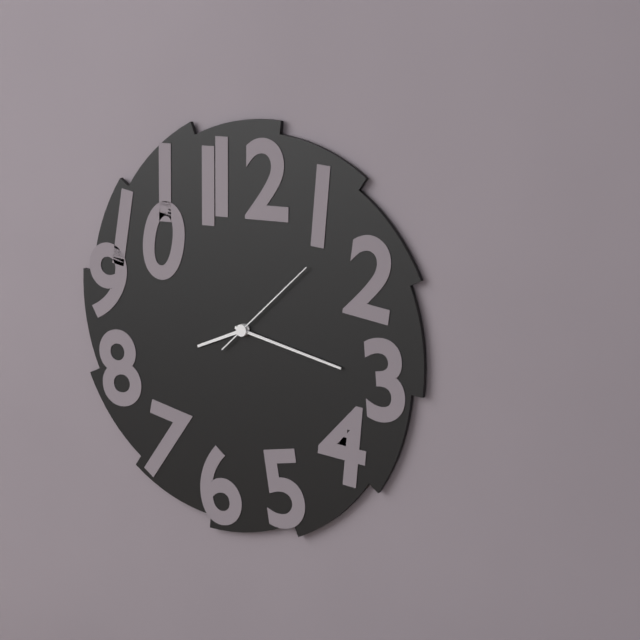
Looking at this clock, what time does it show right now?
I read 8:17:08
